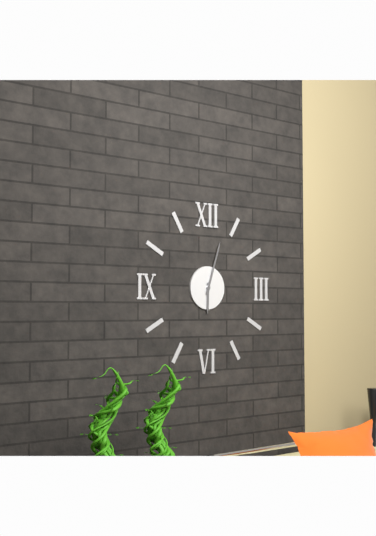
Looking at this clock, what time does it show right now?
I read 6:03
